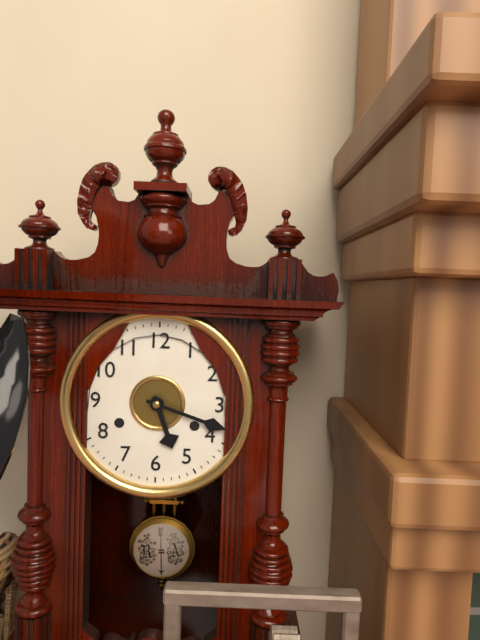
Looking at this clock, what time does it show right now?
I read 5:18
